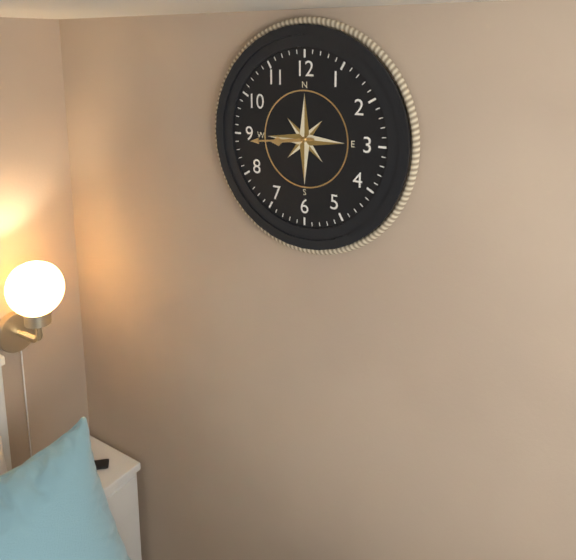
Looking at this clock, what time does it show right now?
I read 8:44
